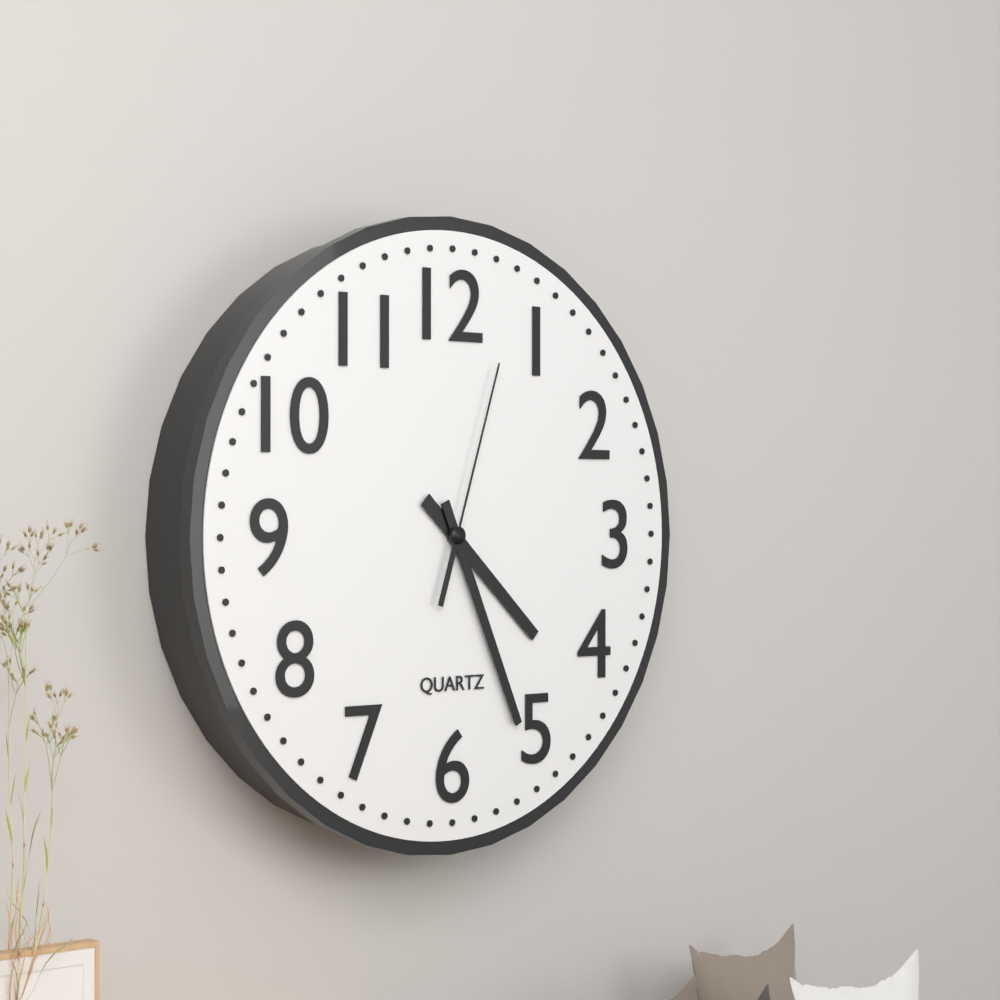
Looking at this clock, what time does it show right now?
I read 4:26:03
